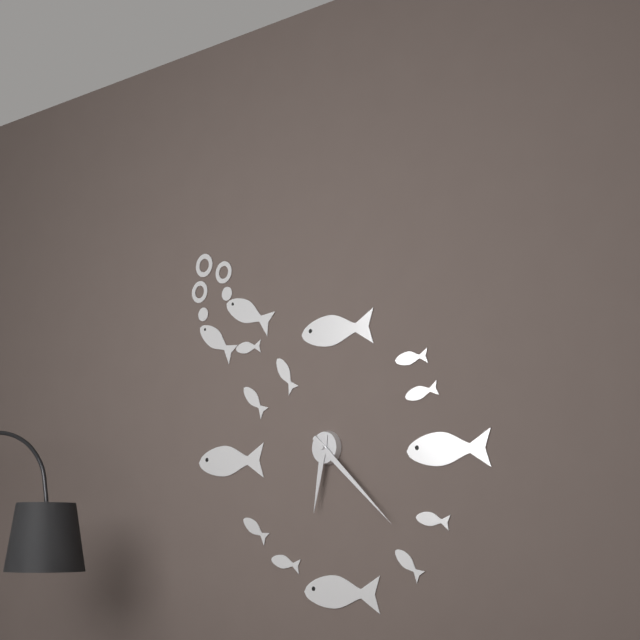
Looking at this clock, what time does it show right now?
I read 6:22
